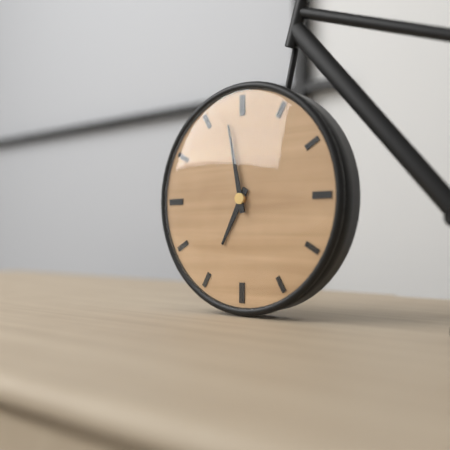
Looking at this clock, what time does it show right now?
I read 6:58
